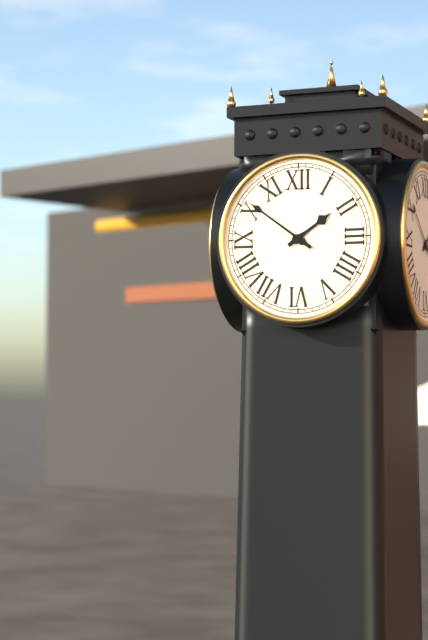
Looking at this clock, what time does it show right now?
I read 1:51
